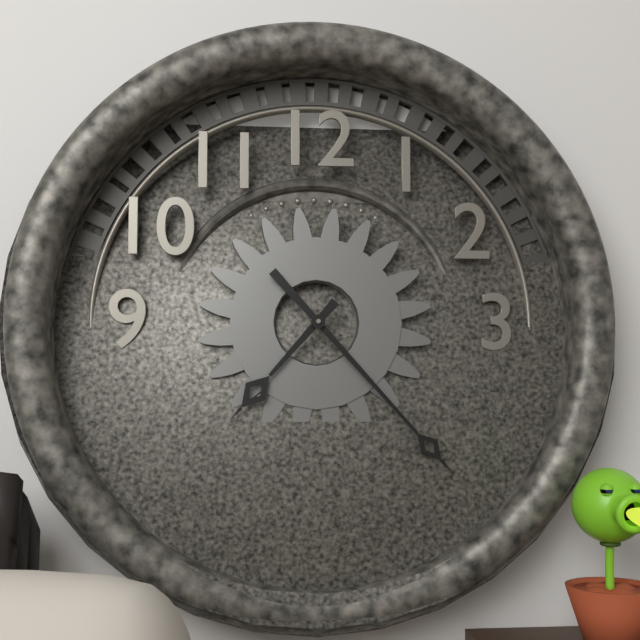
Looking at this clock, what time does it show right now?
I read 7:23
